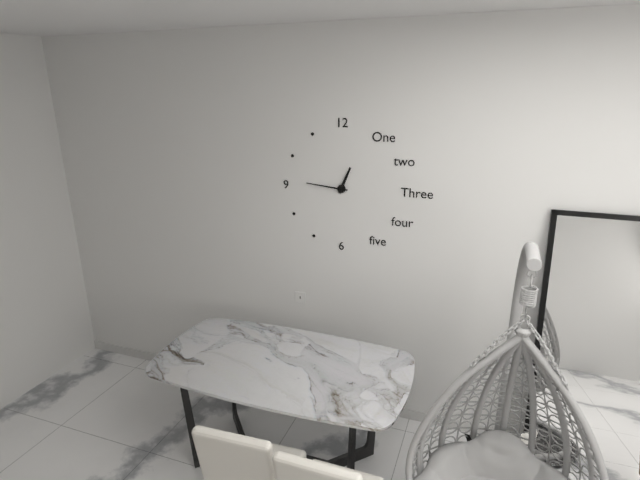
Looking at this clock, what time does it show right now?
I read 12:46
